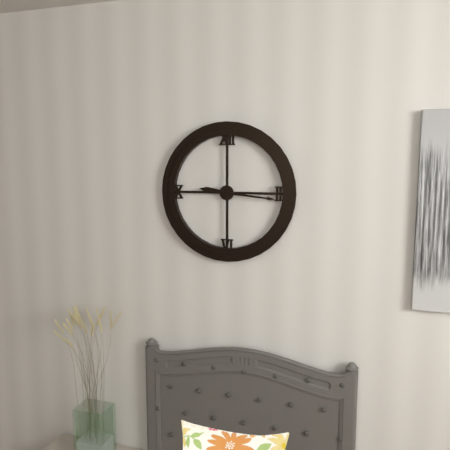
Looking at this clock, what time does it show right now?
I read 9:16
